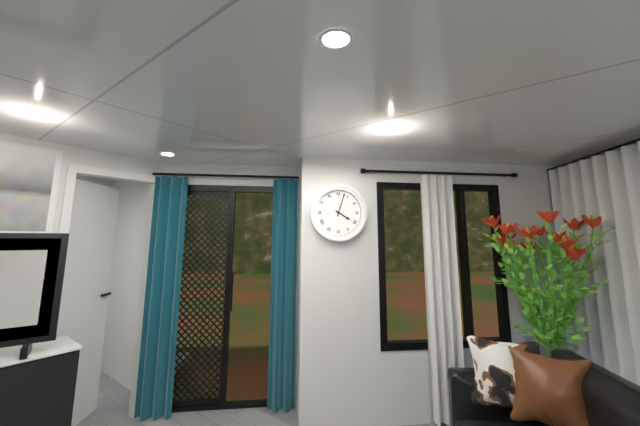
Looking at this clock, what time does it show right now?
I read 4:03
